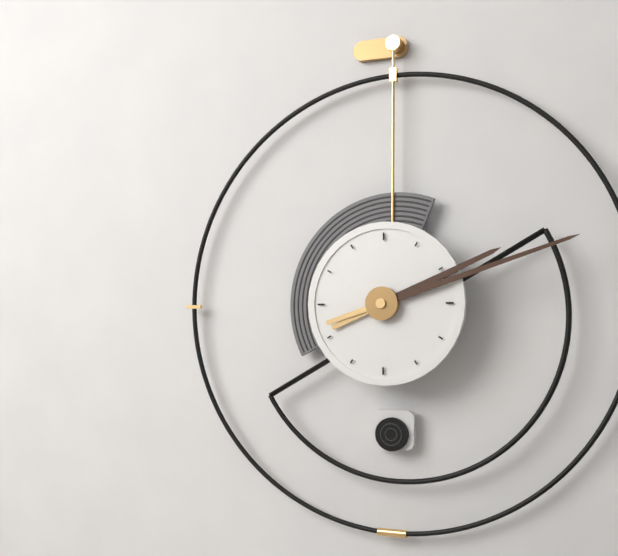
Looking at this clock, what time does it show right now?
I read 2:12
